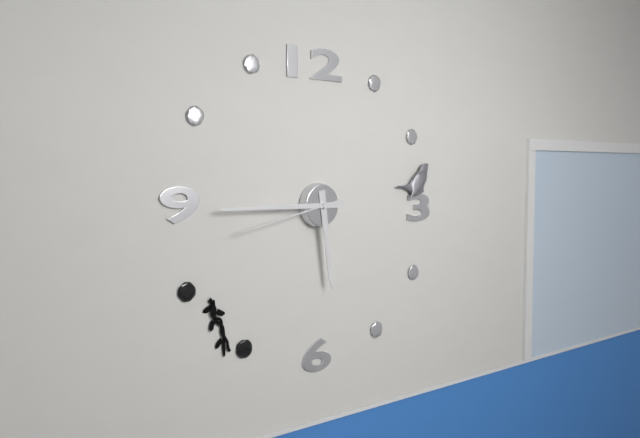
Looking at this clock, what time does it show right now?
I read 5:45:43
